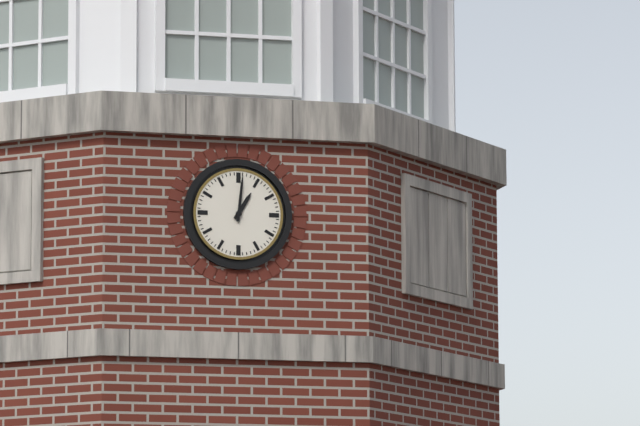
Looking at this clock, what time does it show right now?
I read 1:01
